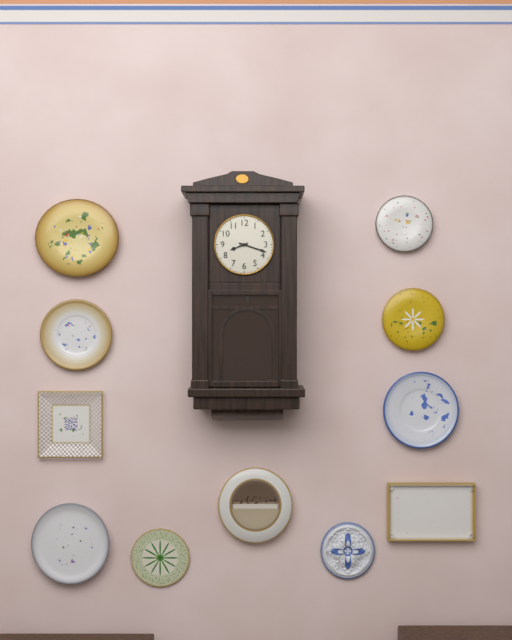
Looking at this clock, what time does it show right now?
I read 8:18
